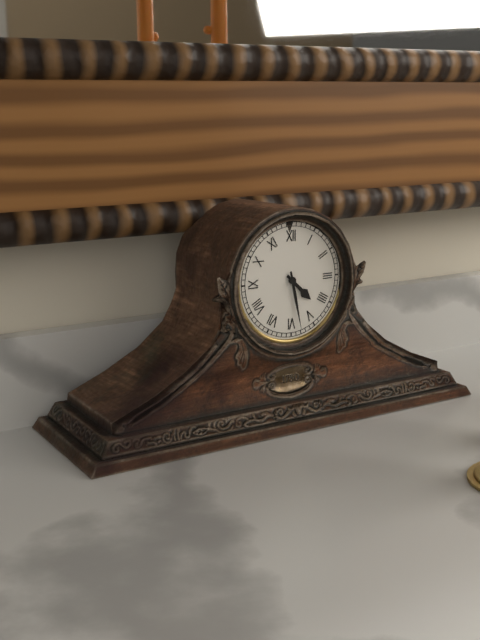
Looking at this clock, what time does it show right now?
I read 4:28
